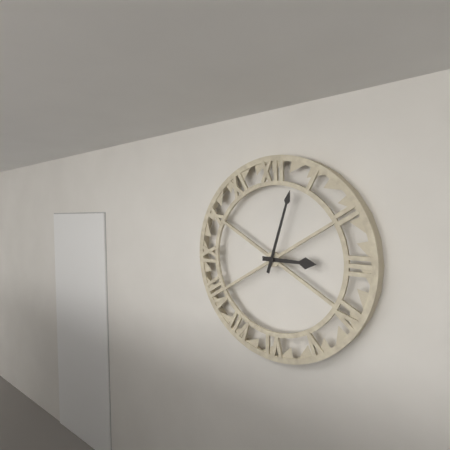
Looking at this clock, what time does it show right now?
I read 3:03
